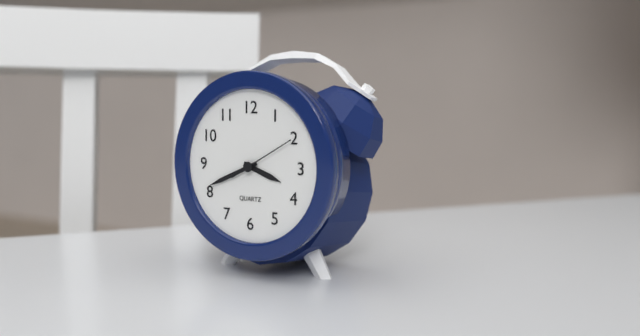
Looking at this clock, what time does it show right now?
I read 3:41:10
